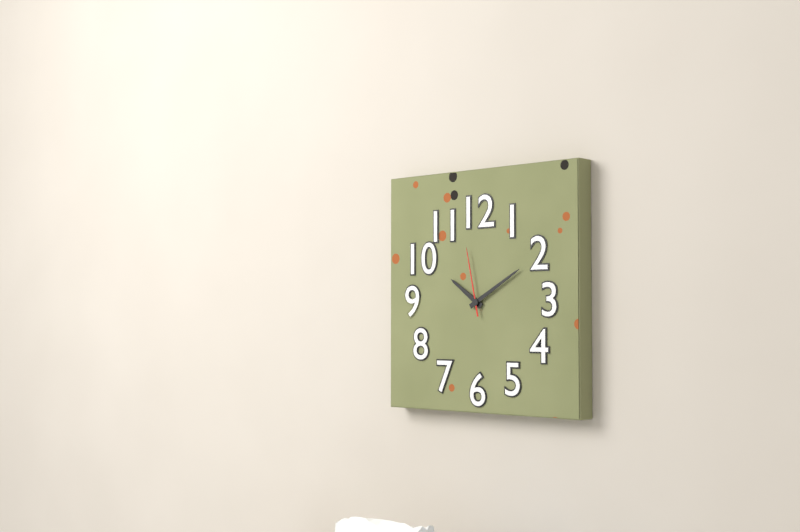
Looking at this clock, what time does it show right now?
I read 10:10:58
